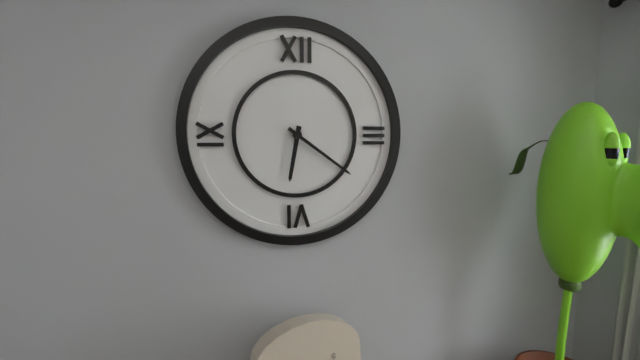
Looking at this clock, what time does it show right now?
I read 6:21
